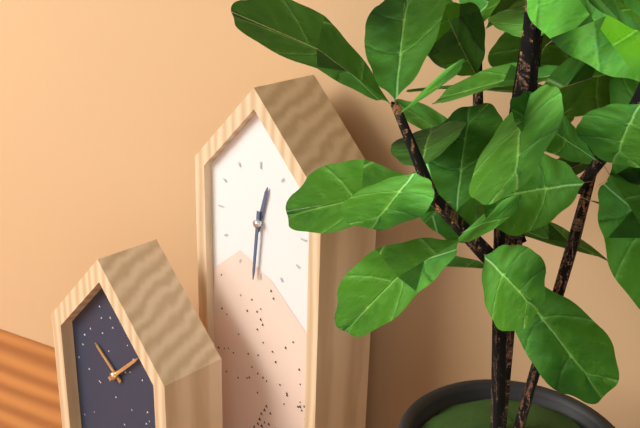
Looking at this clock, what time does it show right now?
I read 12:31
